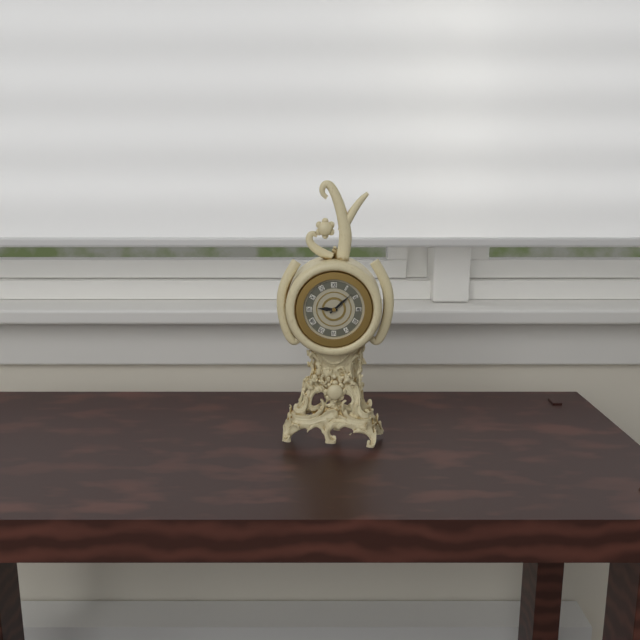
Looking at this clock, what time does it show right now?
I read 9:08
